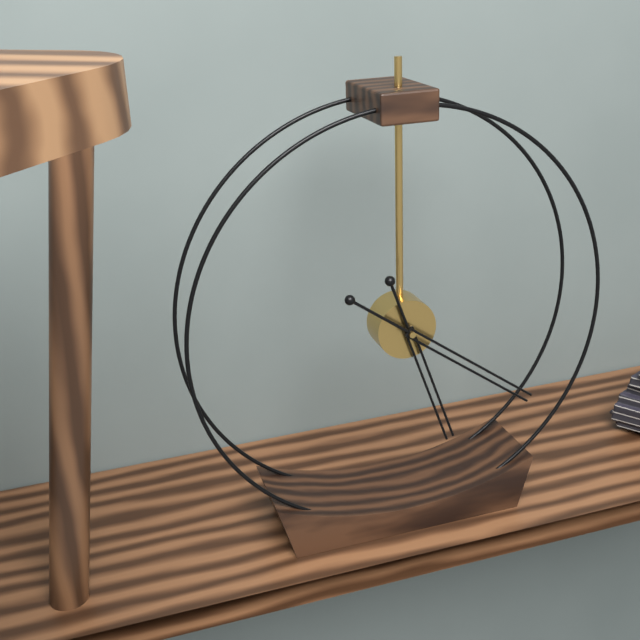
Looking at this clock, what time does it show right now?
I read 5:21
